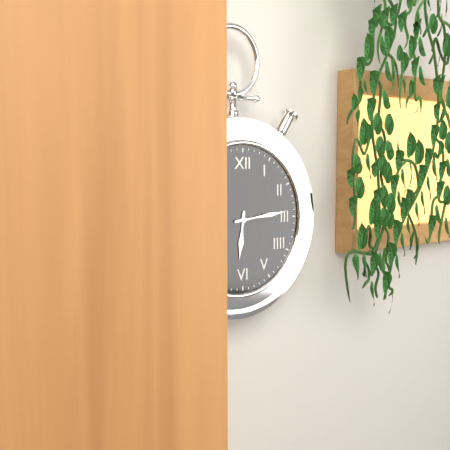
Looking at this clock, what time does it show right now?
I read 6:14
